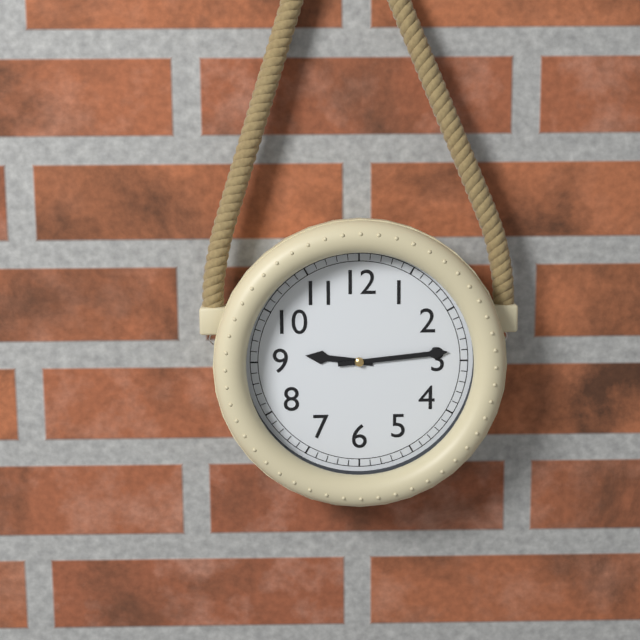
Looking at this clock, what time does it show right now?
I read 9:14
